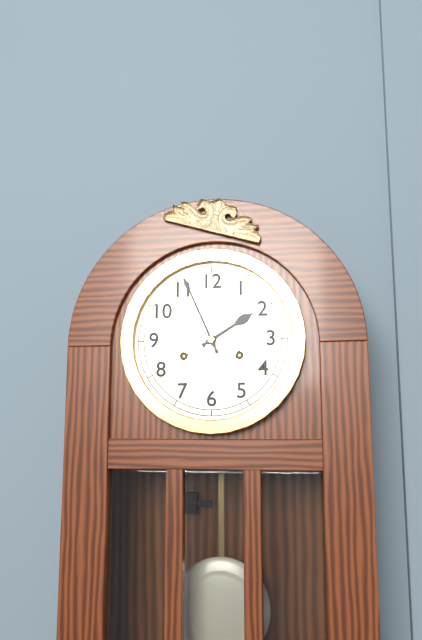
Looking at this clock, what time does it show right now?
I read 1:56
